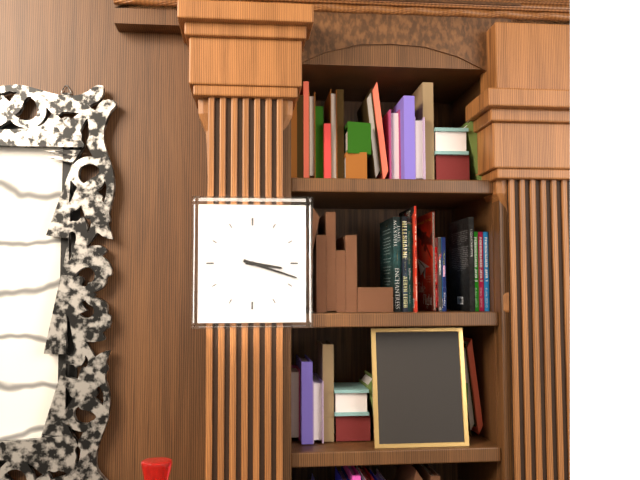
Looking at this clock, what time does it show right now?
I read 3:18
